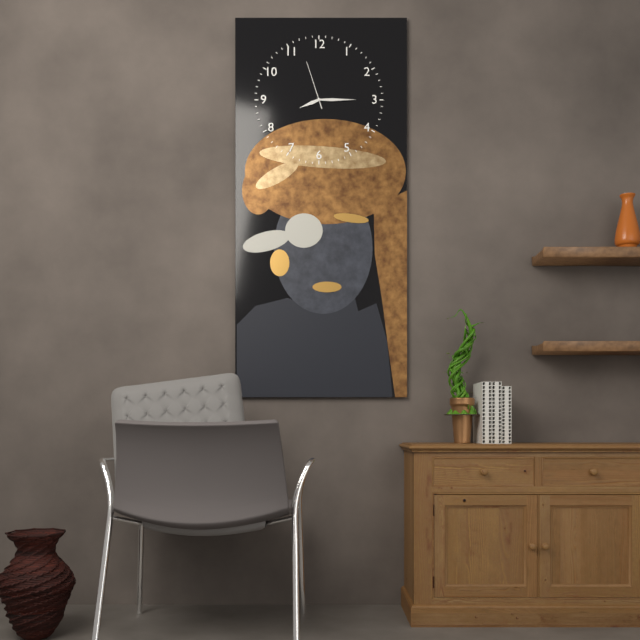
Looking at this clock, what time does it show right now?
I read 8:15
